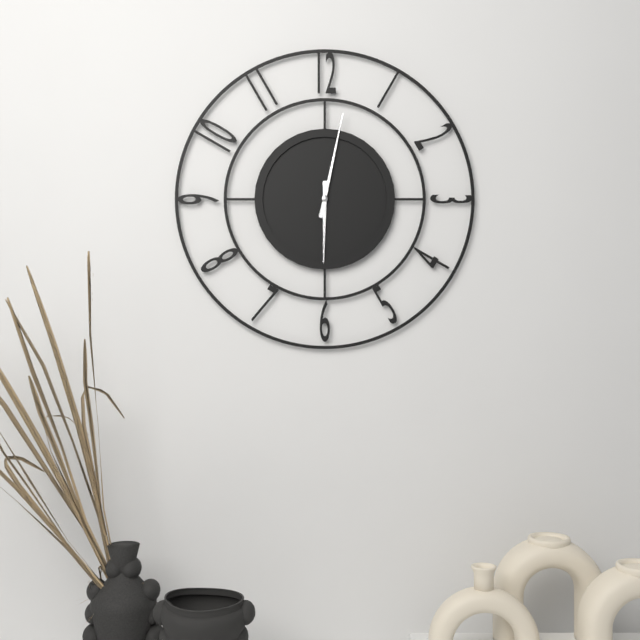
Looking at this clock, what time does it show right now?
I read 6:02
